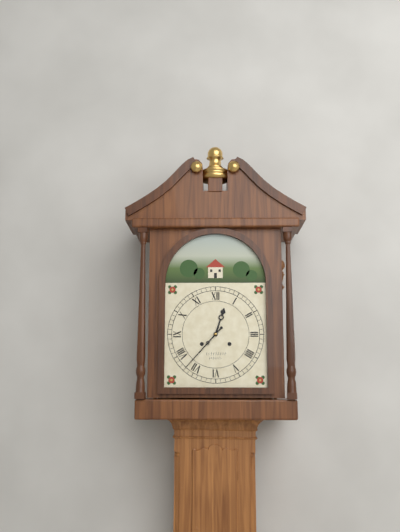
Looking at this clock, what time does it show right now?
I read 12:37
